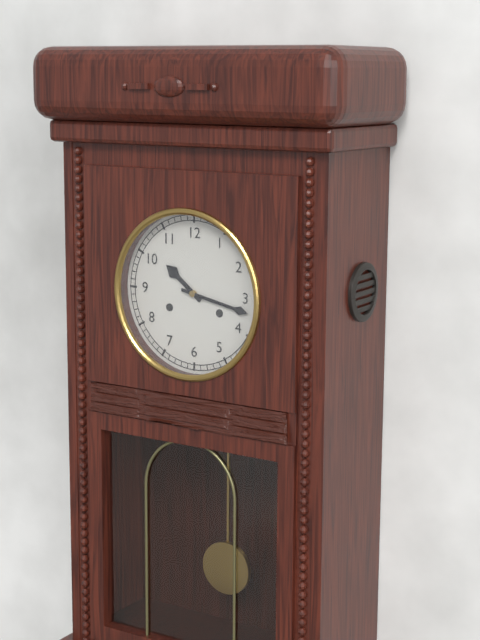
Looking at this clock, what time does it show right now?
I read 10:17
